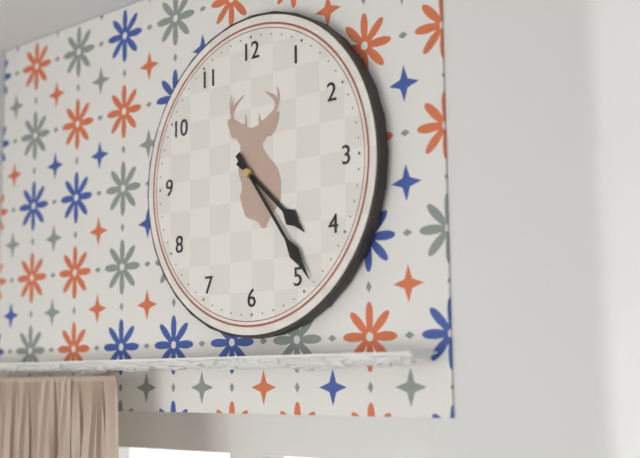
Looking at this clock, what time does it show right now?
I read 4:24
